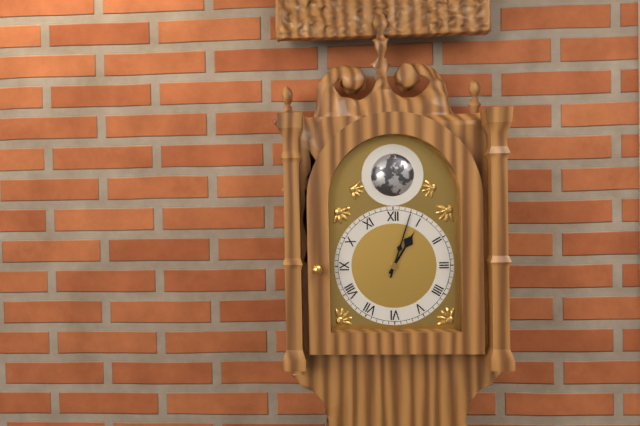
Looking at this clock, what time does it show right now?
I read 1:03
